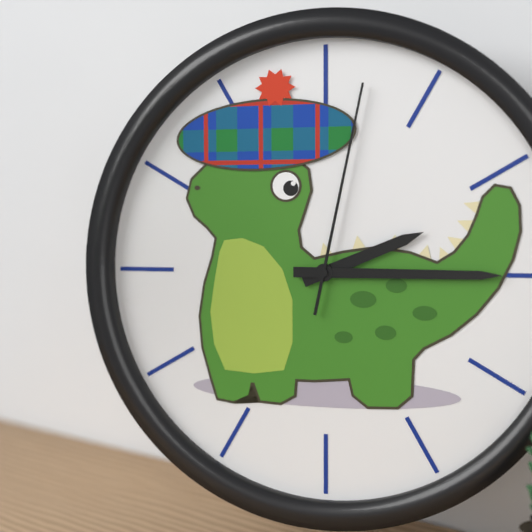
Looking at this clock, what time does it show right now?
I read 2:15:02
